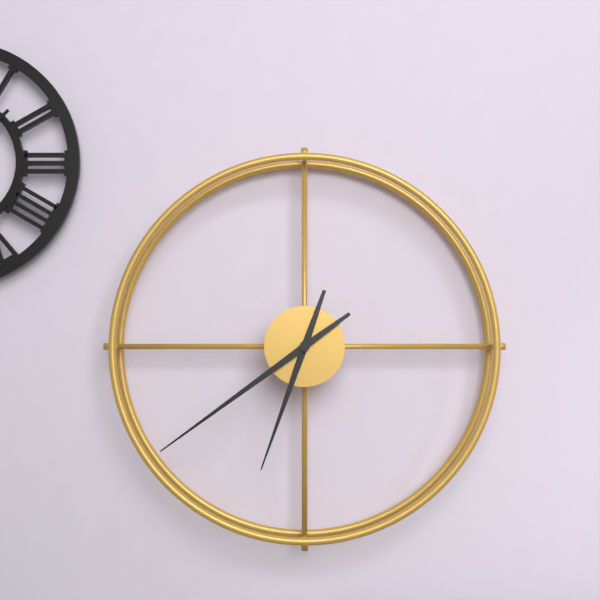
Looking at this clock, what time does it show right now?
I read 6:39
